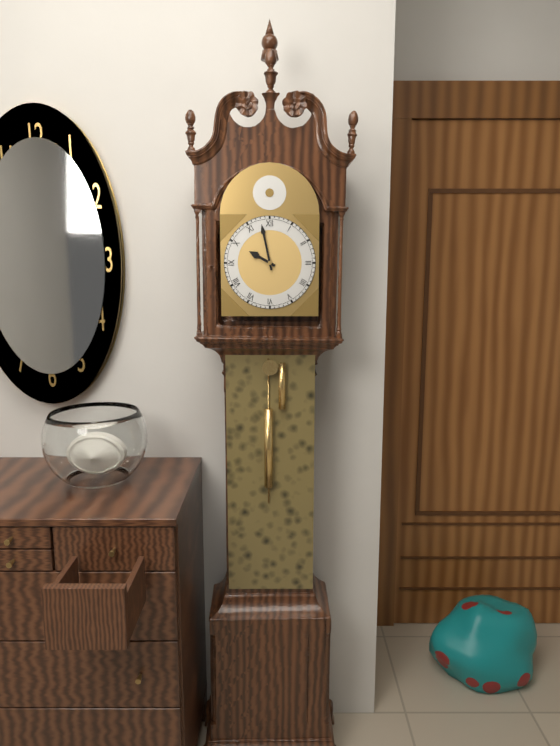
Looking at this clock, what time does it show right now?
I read 9:58
